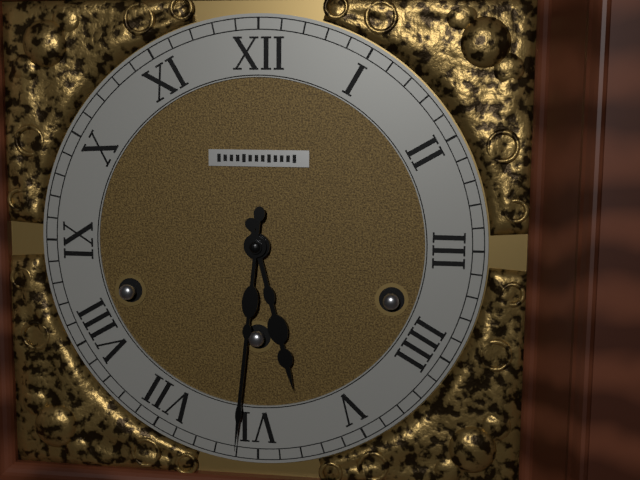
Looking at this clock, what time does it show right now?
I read 5:31
